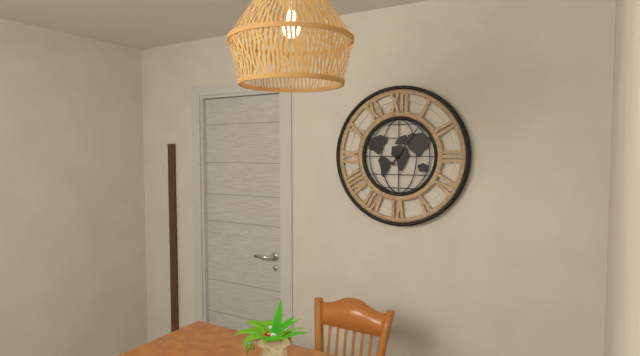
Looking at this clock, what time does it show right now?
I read 1:06
